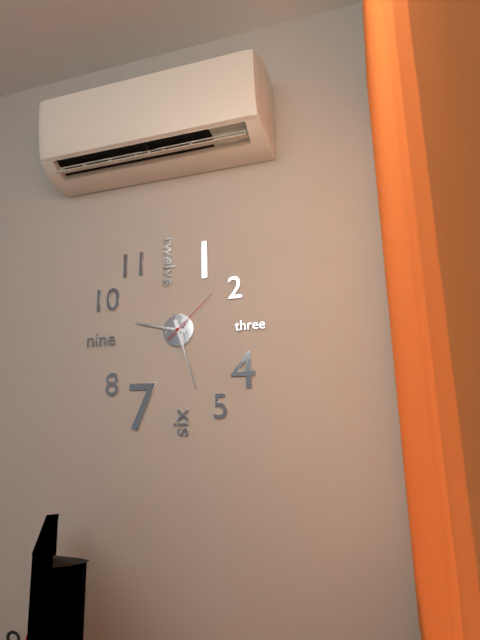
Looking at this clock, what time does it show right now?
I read 9:27:08
